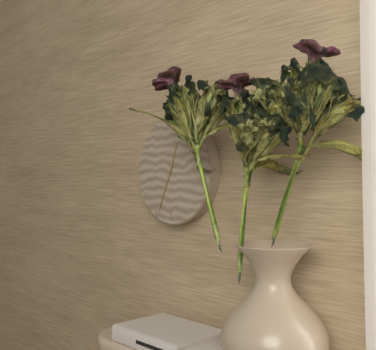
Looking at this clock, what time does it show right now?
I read 12:34
